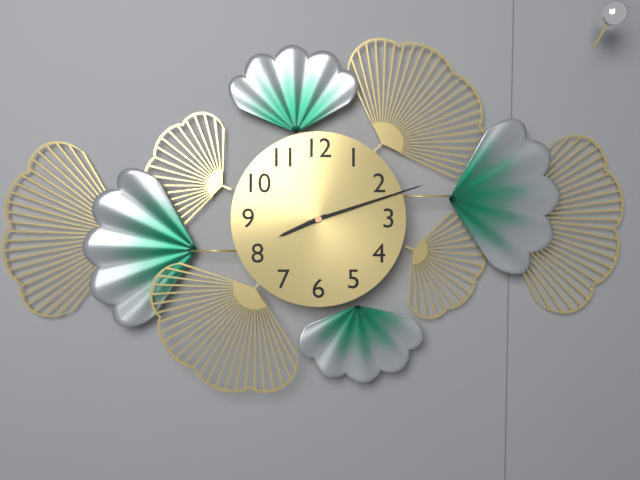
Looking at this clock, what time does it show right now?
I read 8:12
